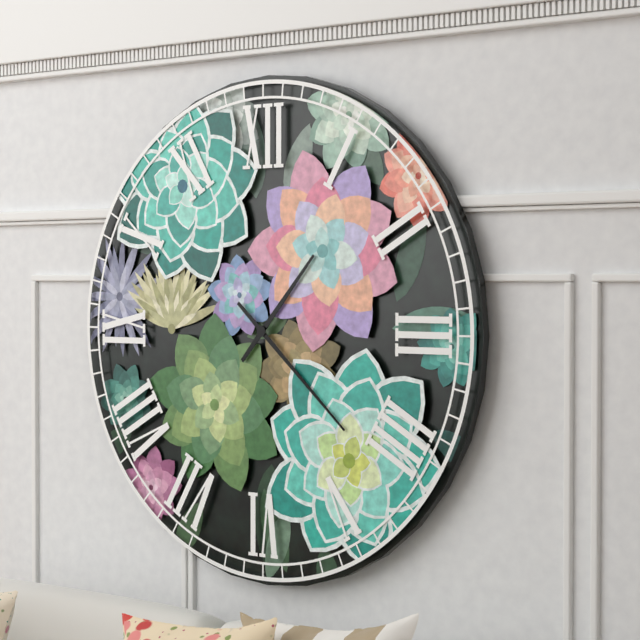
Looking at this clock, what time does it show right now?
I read 1:22
